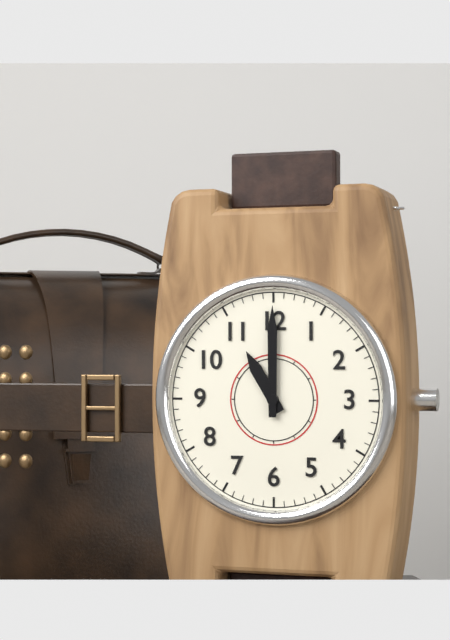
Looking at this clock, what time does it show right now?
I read 11:00
